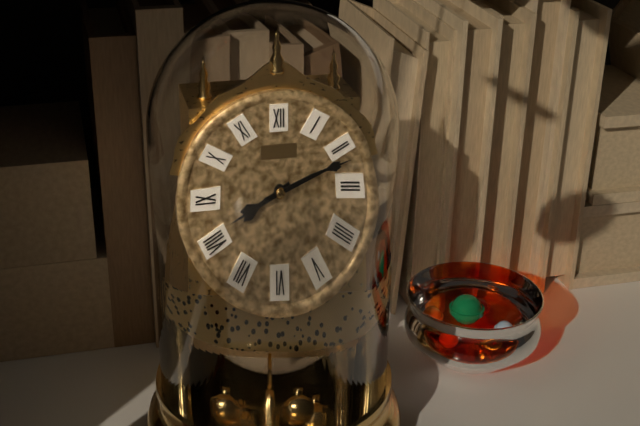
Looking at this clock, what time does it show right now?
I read 8:12
